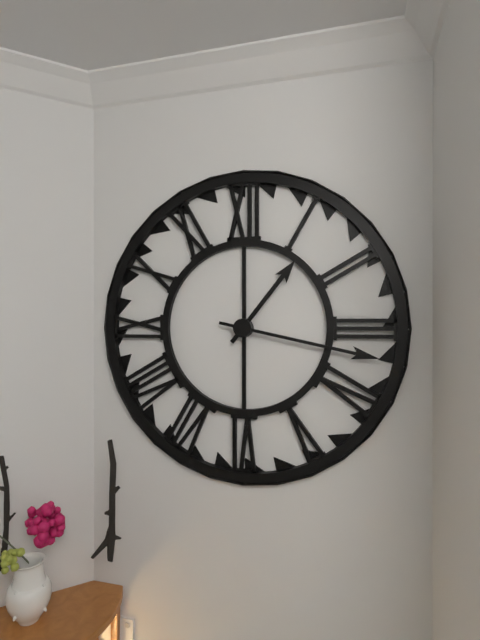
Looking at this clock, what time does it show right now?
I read 1:17
